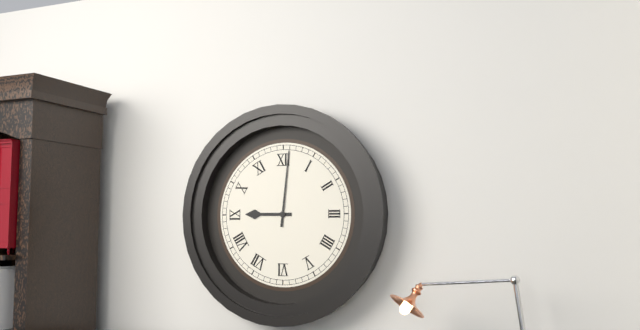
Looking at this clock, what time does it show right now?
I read 9:01
